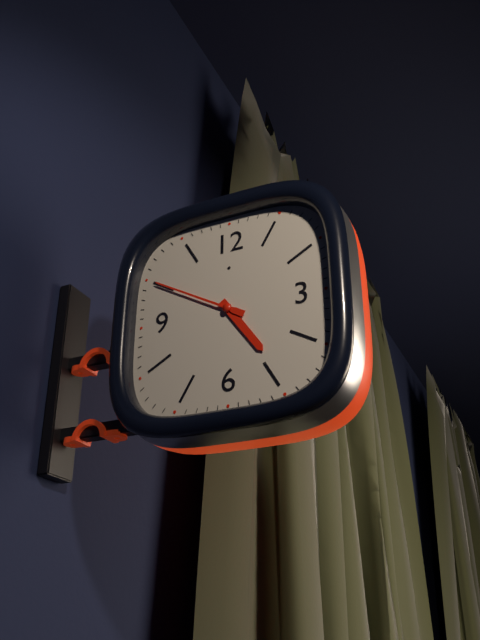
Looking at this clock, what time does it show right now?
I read 4:50
